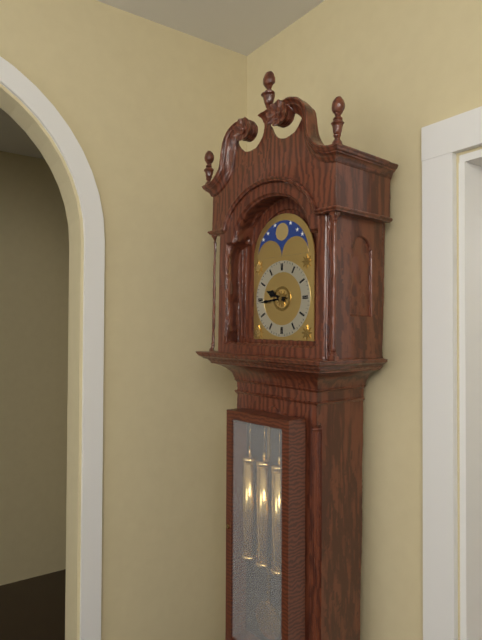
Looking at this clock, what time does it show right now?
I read 9:44
